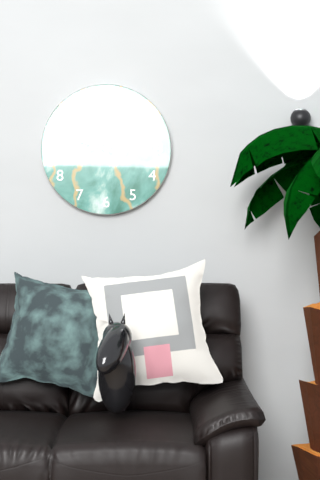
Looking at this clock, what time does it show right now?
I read 11:48
